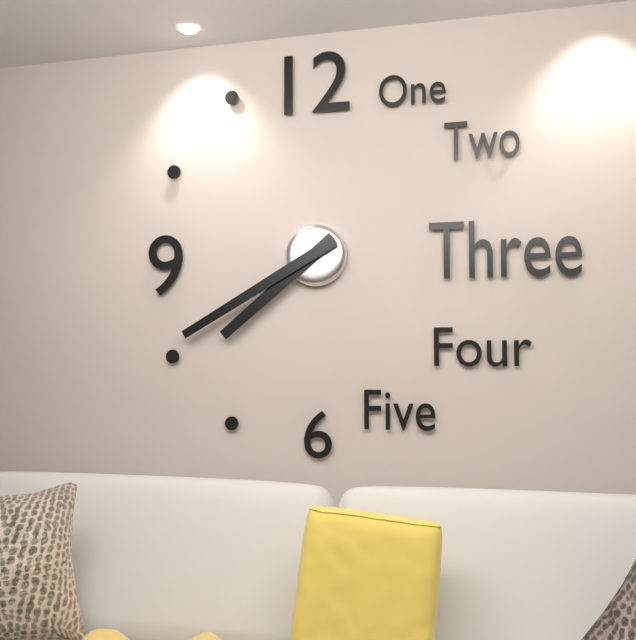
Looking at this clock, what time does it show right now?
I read 7:40
